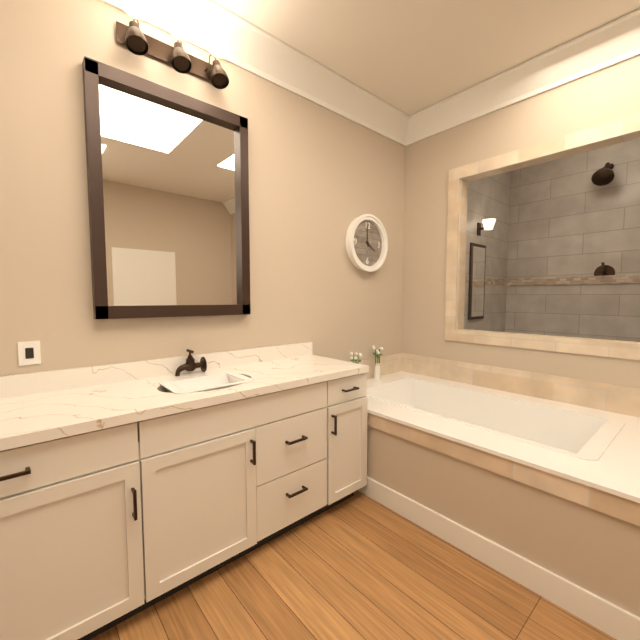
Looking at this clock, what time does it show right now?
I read 3:59
